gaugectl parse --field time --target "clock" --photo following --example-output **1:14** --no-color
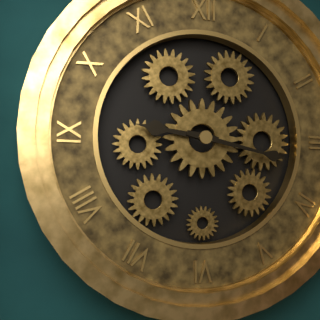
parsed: **9:17**
